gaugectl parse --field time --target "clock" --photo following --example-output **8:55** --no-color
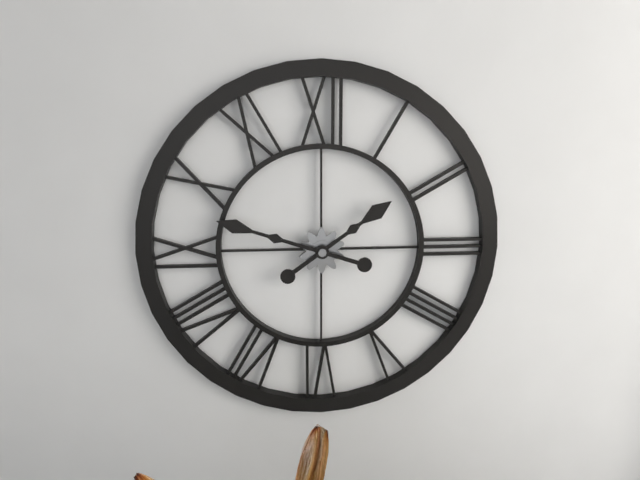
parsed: **1:48**
